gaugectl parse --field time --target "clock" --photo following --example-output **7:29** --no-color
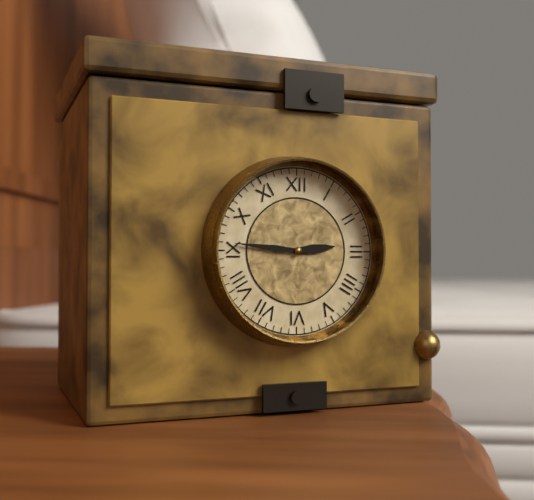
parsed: **2:46**
